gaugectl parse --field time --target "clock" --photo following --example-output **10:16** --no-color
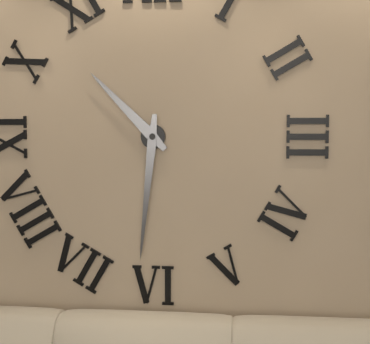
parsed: **10:31**
